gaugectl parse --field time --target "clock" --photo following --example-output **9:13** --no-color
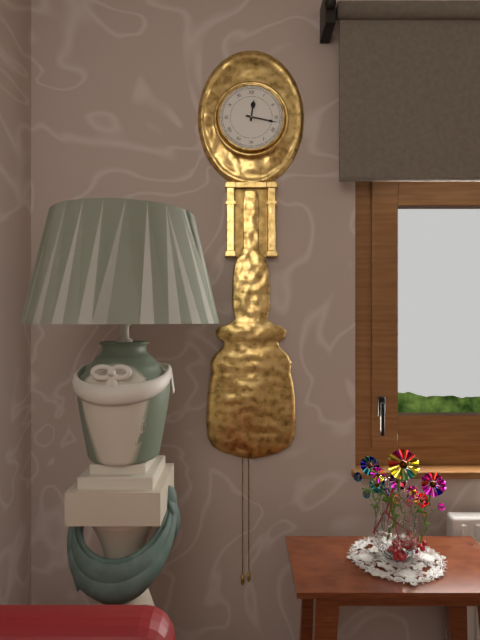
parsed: **12:17**
